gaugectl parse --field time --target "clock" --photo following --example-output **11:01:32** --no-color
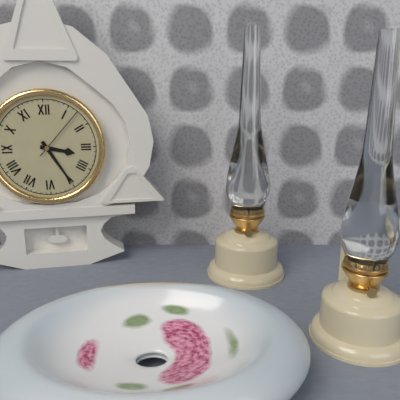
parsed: **3:25:07**
